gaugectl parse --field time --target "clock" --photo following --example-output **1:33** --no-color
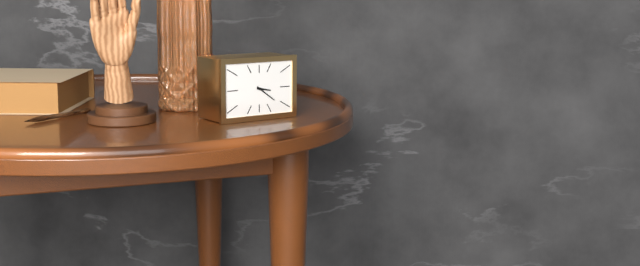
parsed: **3:21**
